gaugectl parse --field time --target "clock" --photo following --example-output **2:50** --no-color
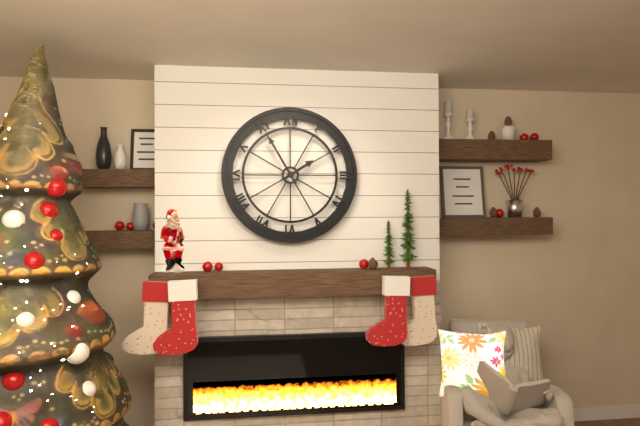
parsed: **1:55**
